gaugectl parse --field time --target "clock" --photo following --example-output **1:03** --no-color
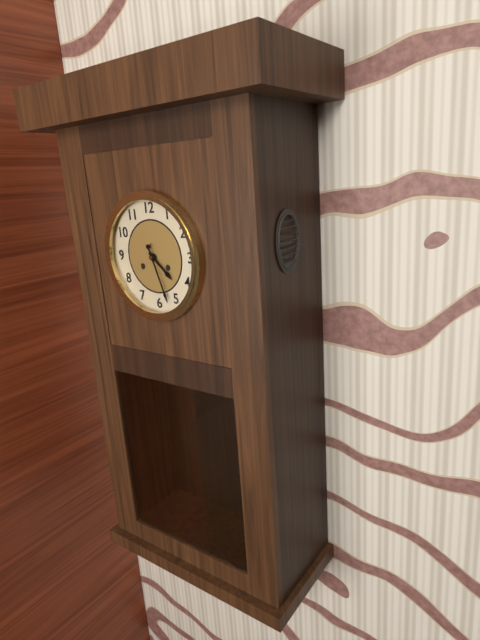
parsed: **4:27**
